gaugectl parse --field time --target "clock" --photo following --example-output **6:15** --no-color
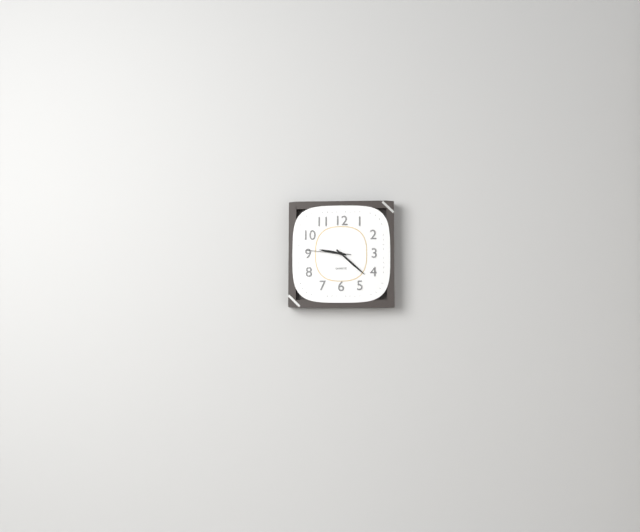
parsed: **9:22**
